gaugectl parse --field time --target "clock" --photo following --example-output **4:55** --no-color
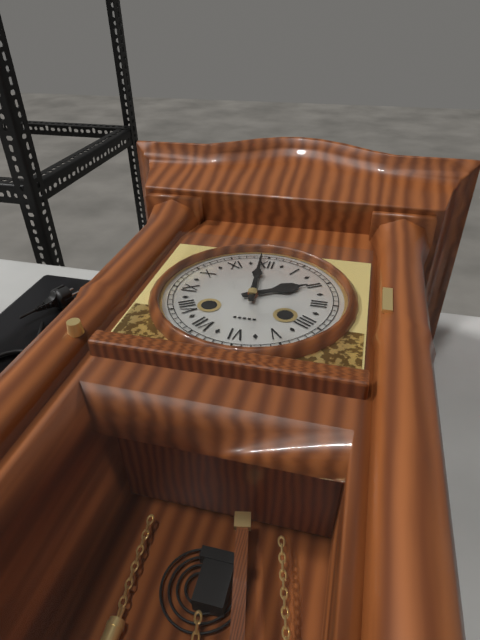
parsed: **1:59**
